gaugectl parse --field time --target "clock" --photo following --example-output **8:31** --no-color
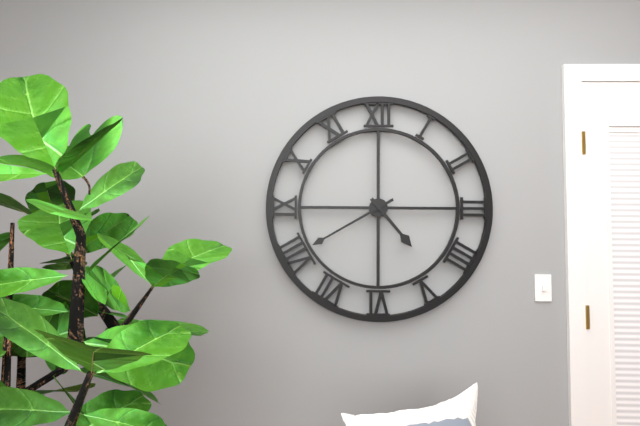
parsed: **4:40**
